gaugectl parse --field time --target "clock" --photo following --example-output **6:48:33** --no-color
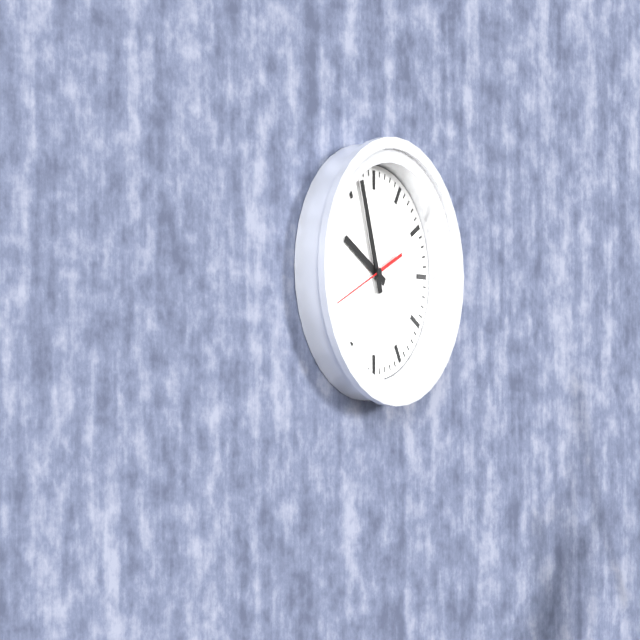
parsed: **9:57:41**
